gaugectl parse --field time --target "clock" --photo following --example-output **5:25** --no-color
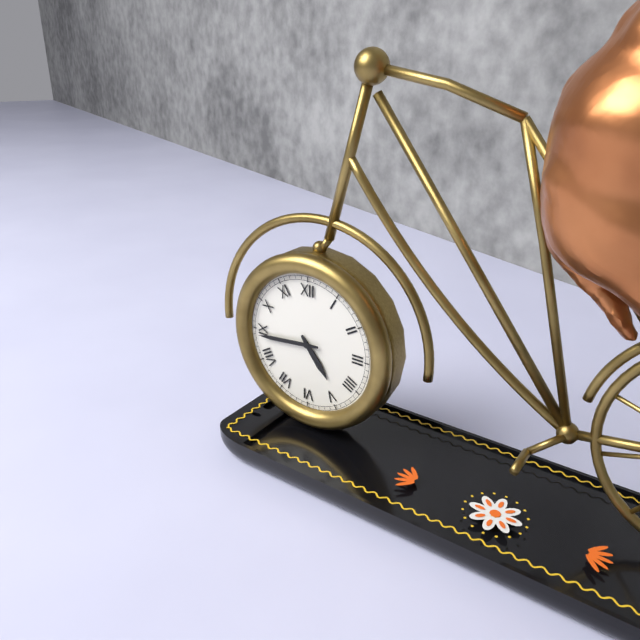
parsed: **4:44**
